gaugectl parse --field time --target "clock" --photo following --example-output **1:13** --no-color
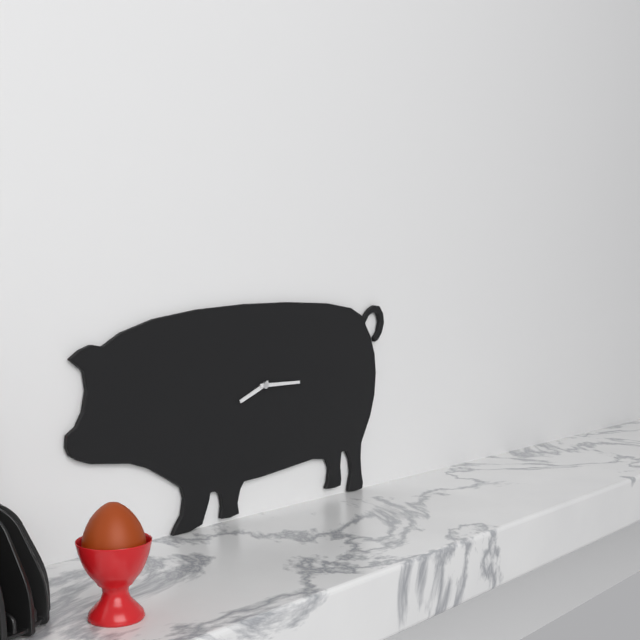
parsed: **8:15**
